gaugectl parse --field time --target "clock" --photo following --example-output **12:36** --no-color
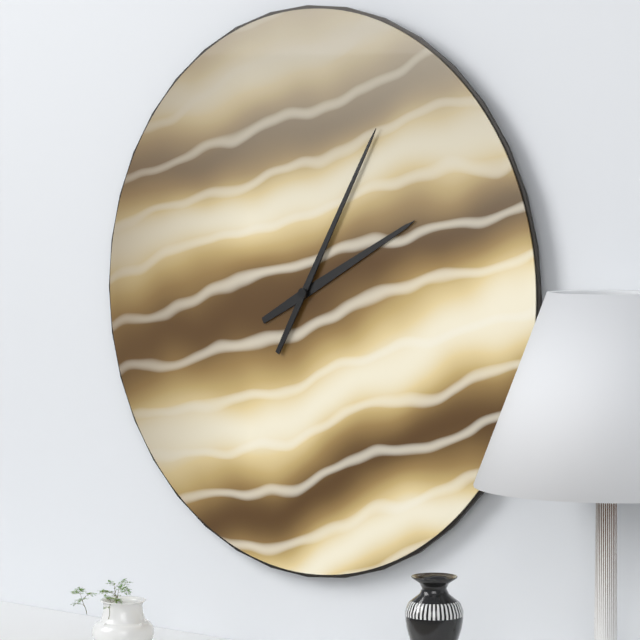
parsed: **2:05**
